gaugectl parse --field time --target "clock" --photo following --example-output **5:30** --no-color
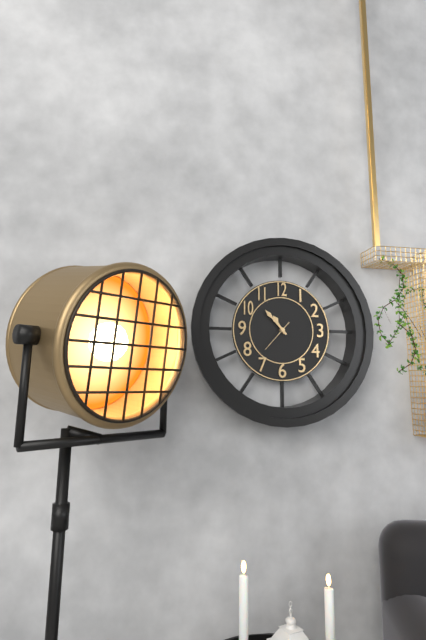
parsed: **10:53**
